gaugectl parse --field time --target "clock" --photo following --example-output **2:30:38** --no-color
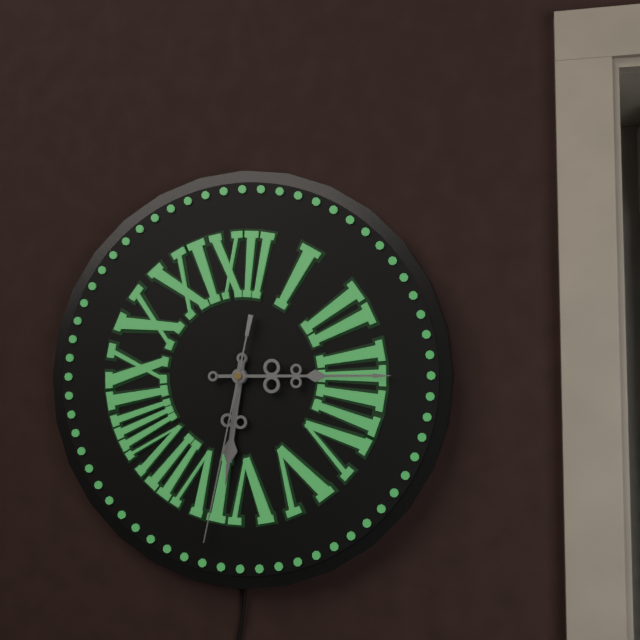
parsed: **6:15:32**
